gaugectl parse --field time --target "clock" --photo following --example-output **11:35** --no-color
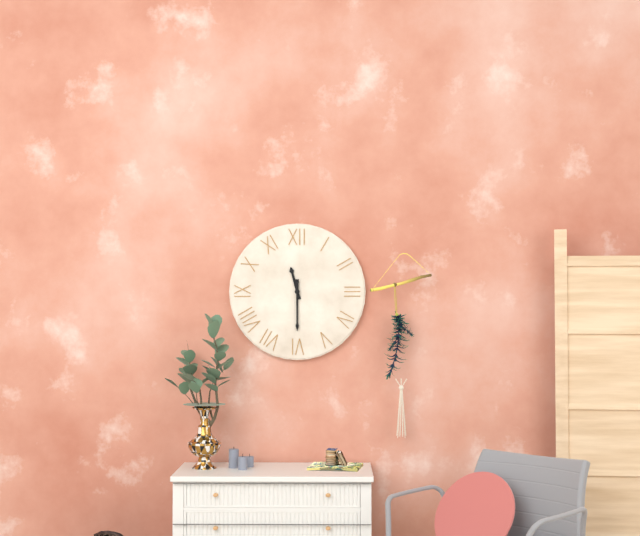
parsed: **11:30**
